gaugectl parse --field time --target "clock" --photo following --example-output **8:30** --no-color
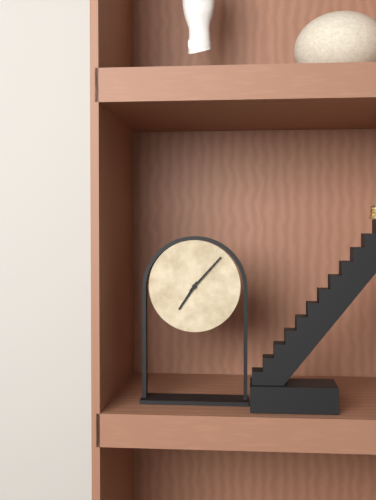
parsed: **7:07**
